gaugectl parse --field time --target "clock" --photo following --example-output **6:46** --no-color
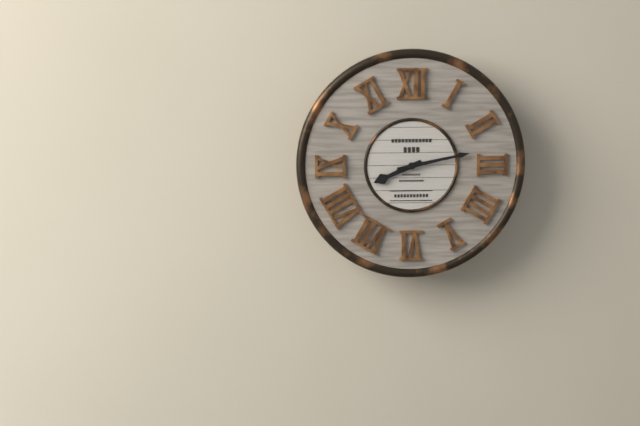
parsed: **8:13**
